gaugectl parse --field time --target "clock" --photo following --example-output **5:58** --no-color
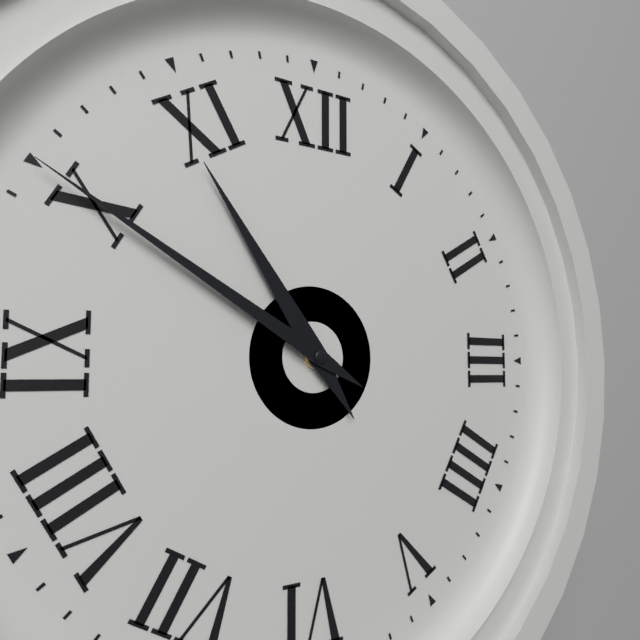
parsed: **10:50**
